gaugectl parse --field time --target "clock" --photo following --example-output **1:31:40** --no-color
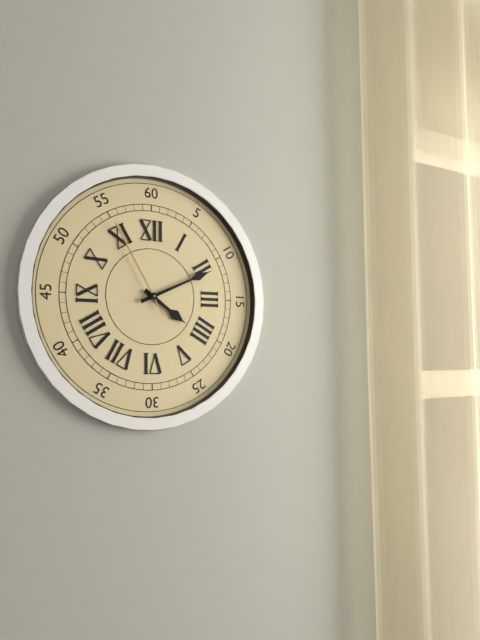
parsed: **4:11:55**
